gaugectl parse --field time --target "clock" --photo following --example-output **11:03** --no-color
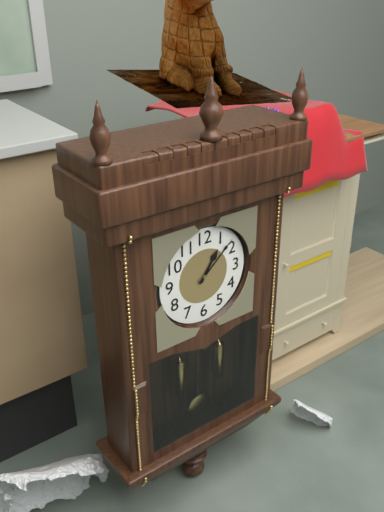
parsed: **1:08**
